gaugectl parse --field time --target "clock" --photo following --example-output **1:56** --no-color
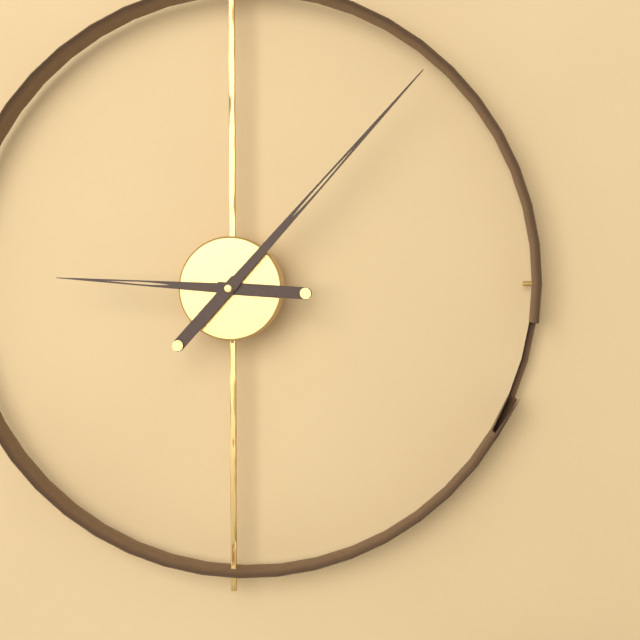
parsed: **9:07**
